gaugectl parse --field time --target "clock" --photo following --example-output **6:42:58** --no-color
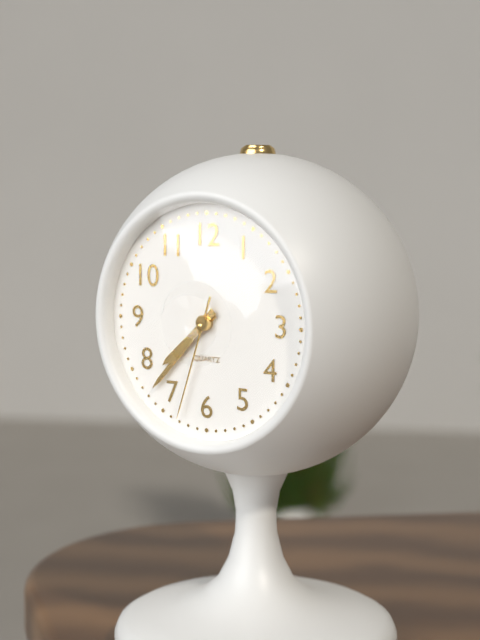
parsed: **7:37:33**
